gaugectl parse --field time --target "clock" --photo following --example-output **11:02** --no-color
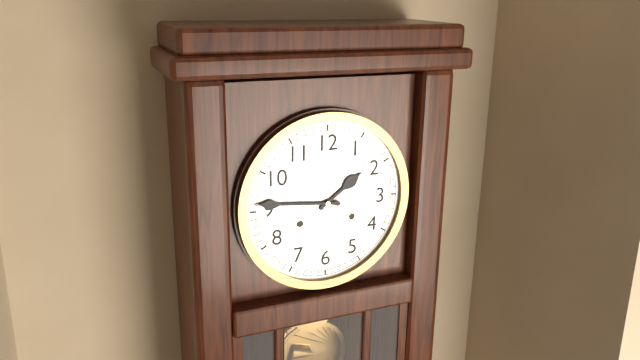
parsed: **1:46**
